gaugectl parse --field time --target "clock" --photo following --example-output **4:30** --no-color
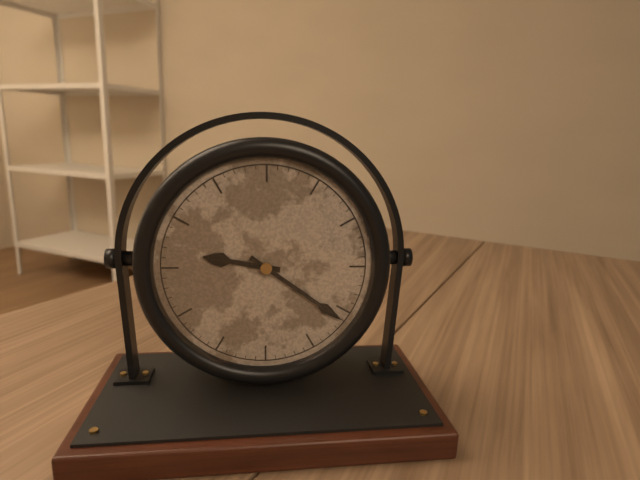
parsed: **9:21**
